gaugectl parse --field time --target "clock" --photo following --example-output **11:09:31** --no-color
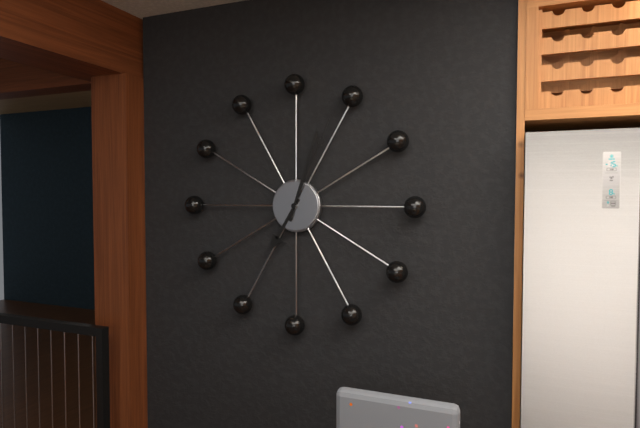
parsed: **7:03:04**
